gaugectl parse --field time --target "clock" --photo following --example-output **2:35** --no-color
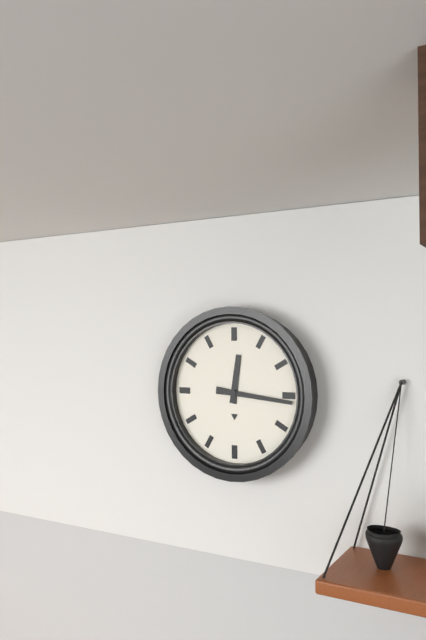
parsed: **12:16**
